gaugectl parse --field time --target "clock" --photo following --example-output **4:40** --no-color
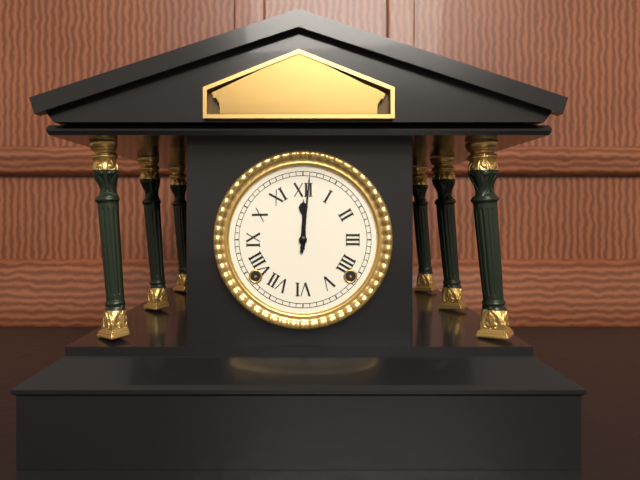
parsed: **12:01**
